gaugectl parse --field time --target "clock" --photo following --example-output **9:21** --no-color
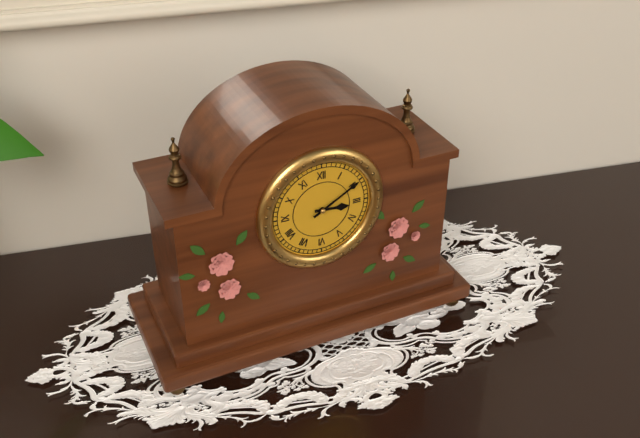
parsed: **3:10**
